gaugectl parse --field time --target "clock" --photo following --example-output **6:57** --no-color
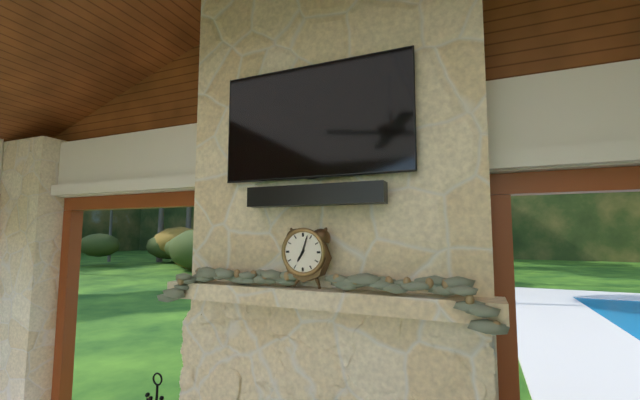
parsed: **7:03**
